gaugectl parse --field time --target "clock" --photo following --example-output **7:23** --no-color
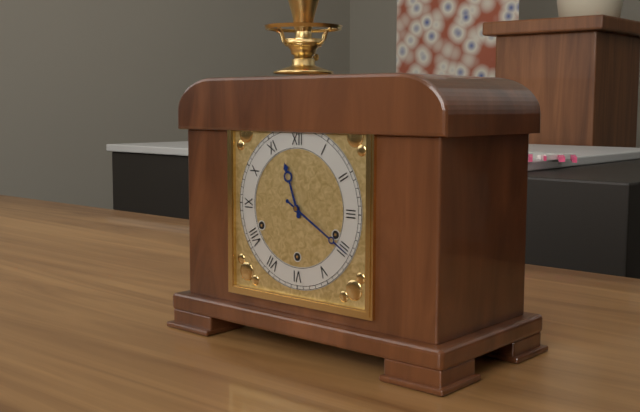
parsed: **11:20**
